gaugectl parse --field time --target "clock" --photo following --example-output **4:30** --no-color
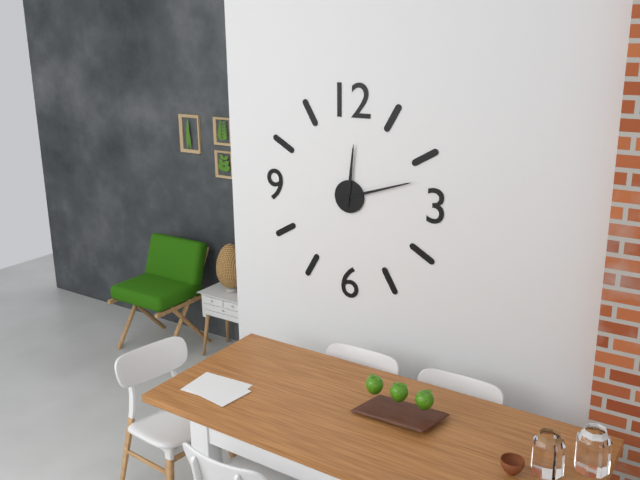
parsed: **12:12**
